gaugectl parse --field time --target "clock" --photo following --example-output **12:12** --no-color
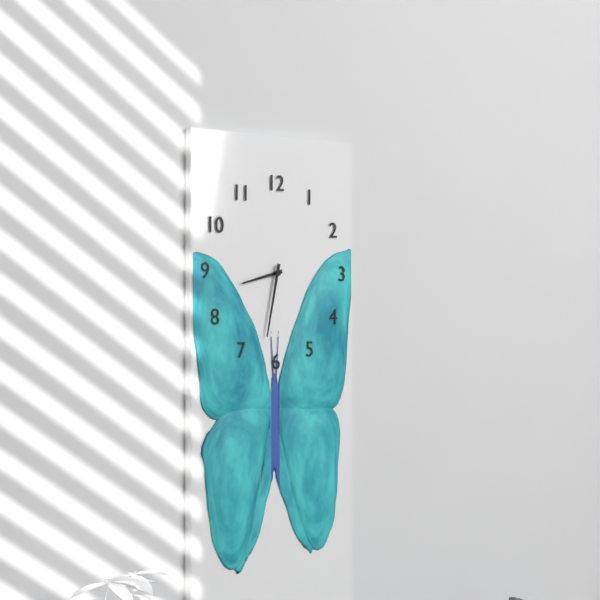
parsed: **8:32**
